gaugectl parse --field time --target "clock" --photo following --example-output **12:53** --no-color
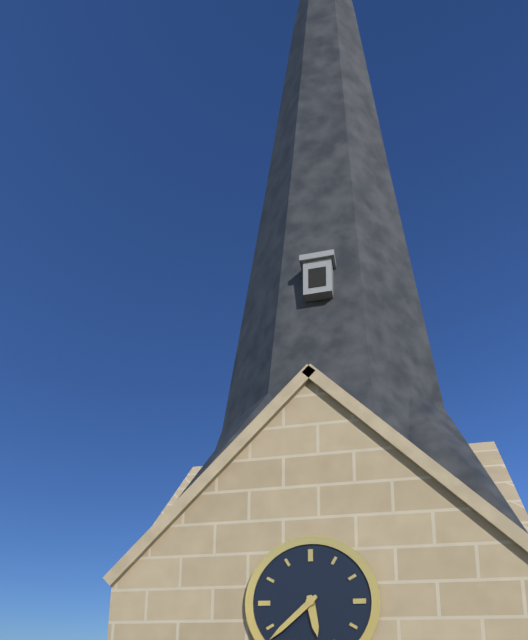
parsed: **5:38**
